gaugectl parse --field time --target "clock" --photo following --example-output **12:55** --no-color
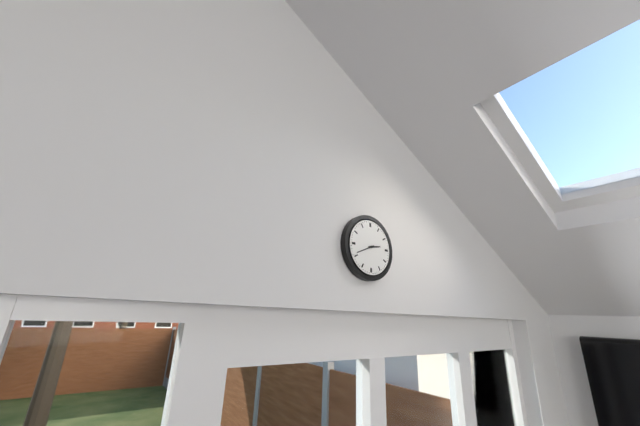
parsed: **2:41**
